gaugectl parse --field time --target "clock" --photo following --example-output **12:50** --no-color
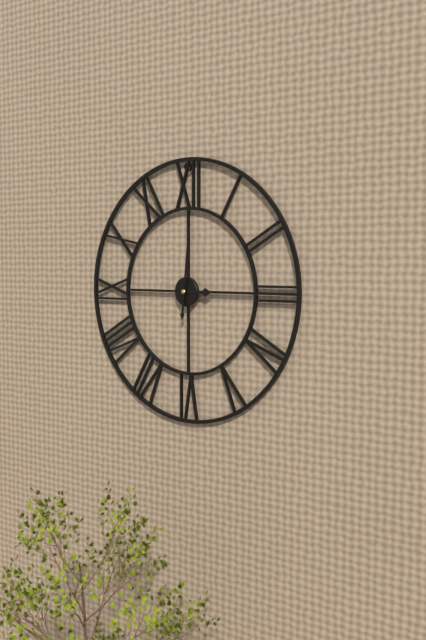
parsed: **3:01**
